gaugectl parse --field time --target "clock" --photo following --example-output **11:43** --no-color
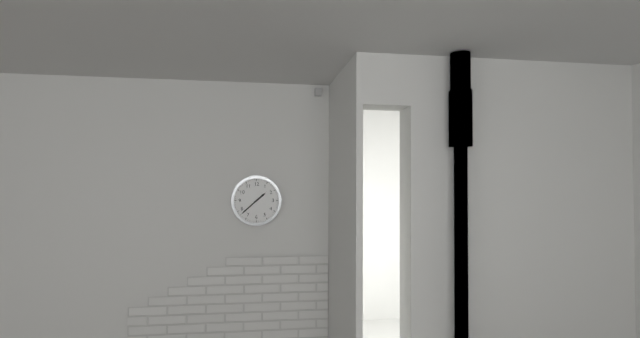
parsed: **1:38**
